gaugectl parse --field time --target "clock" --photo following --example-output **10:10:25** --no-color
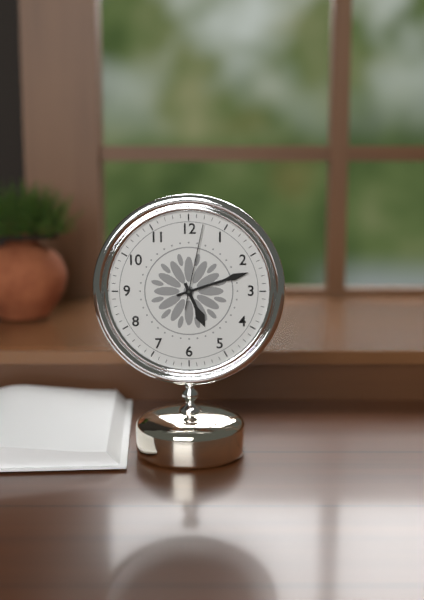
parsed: **5:12:02**
